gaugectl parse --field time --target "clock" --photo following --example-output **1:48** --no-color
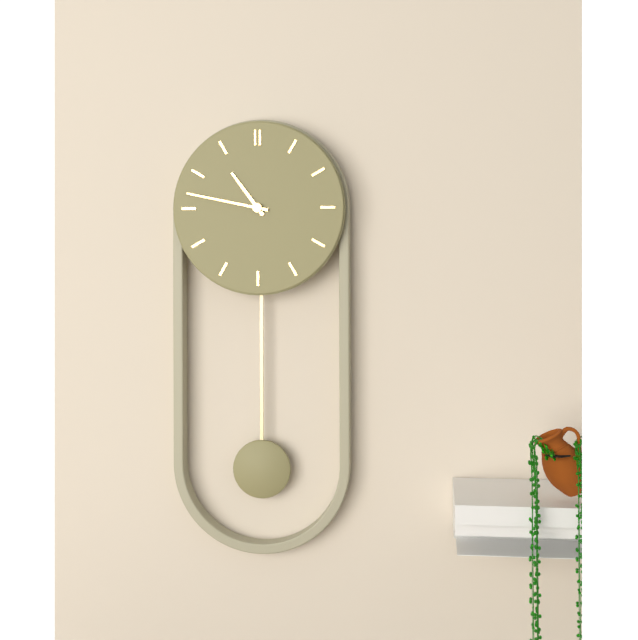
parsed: **10:47**
